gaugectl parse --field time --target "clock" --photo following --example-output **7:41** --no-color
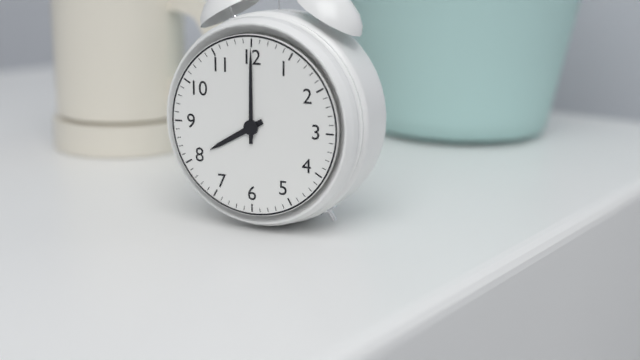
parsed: **8:00**
